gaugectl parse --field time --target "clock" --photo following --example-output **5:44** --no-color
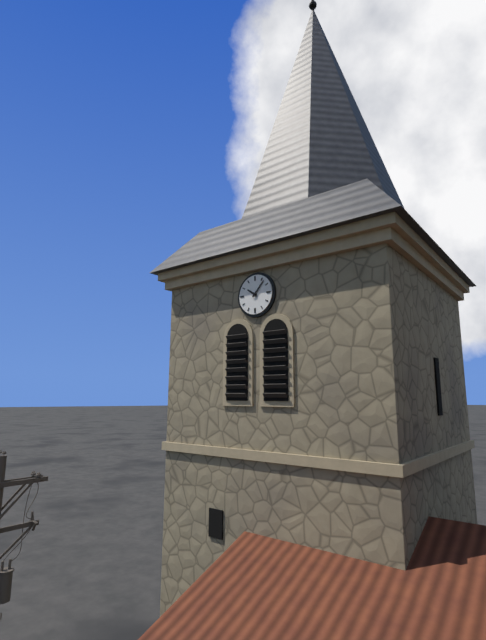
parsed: **10:07**
